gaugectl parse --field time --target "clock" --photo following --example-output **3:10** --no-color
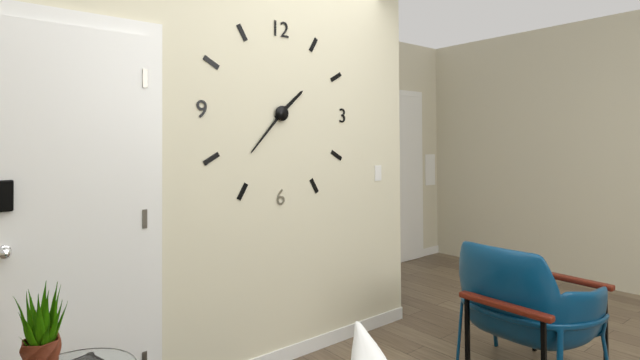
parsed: **1:37**
